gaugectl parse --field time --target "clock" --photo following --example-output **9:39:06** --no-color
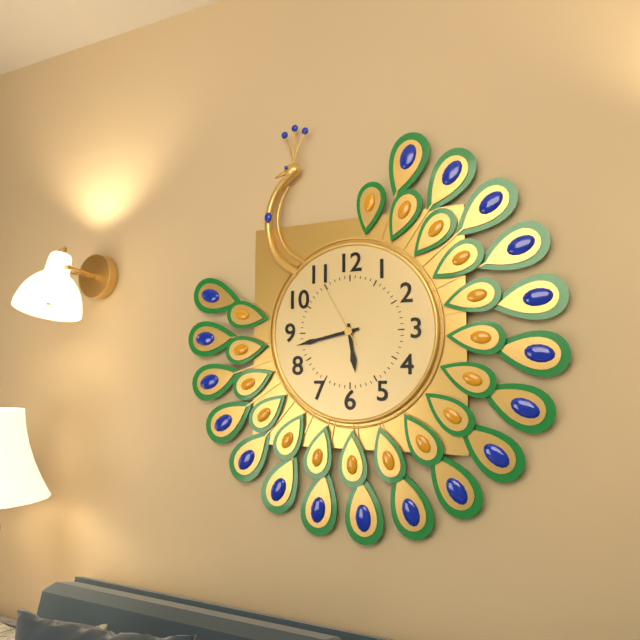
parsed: **5:43:55**
